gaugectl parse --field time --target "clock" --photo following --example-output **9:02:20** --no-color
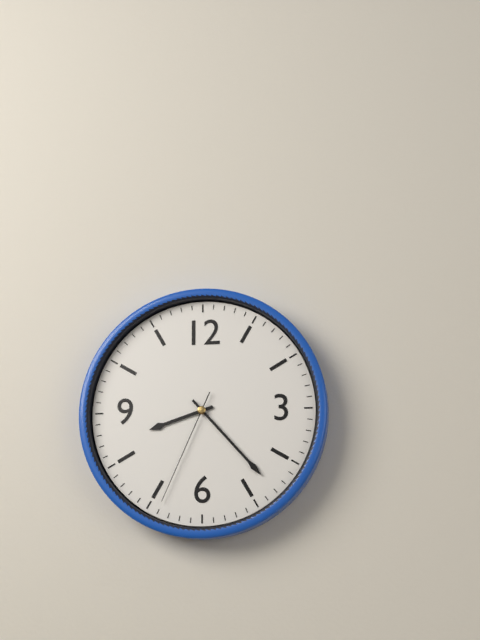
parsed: **8:23:34**
